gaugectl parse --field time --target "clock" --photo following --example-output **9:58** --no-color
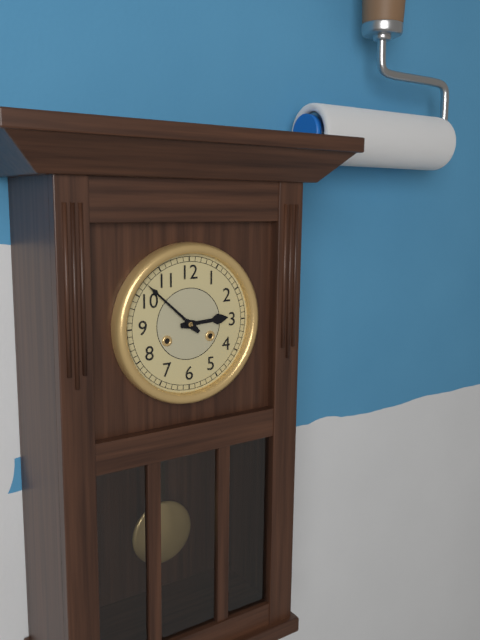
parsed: **2:52**
